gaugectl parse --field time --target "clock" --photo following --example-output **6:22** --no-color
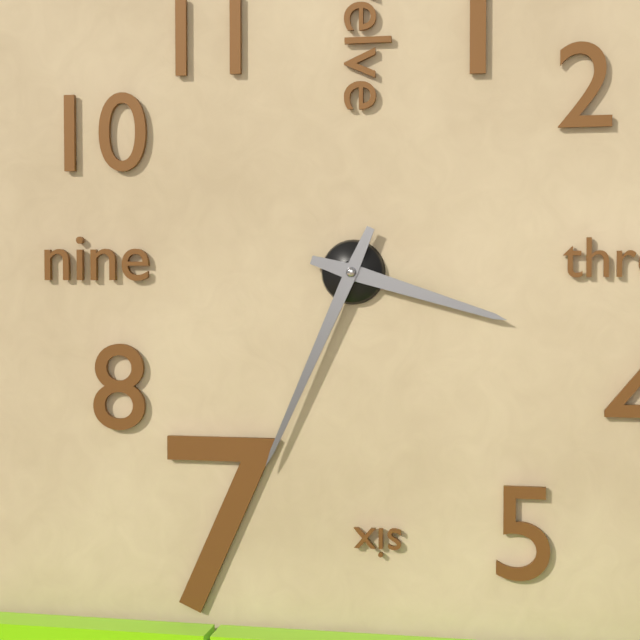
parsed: **3:34**
